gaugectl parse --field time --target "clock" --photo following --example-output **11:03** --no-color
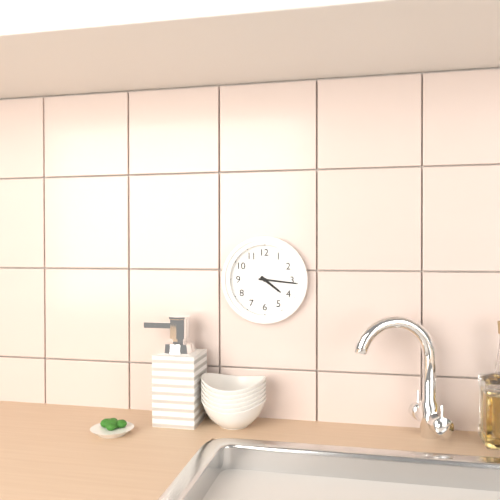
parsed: **4:16**
